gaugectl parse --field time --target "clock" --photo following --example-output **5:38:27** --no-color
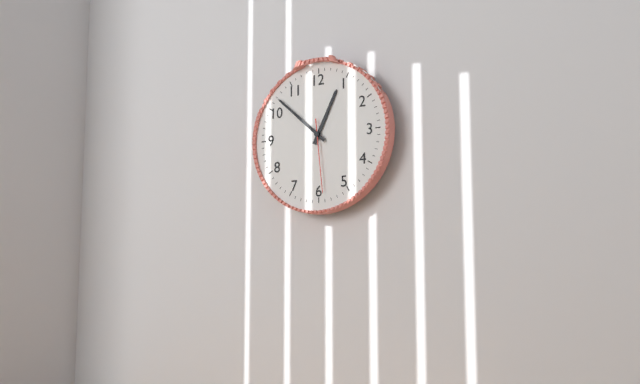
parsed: **12:52:29**
